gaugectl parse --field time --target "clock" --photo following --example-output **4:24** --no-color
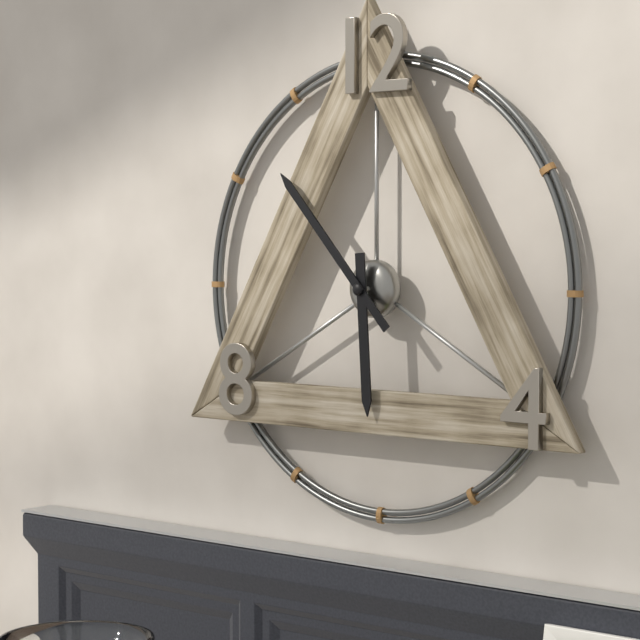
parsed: **5:53**
